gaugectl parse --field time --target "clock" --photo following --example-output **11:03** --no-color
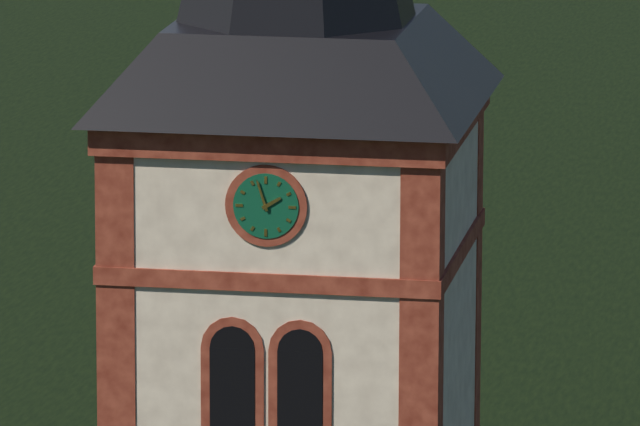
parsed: **1:57**
